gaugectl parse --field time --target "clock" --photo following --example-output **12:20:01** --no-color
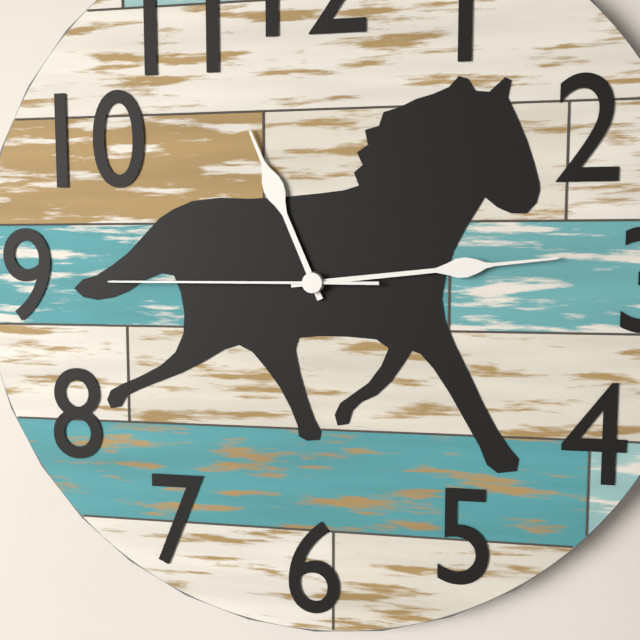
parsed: **11:14:45**
